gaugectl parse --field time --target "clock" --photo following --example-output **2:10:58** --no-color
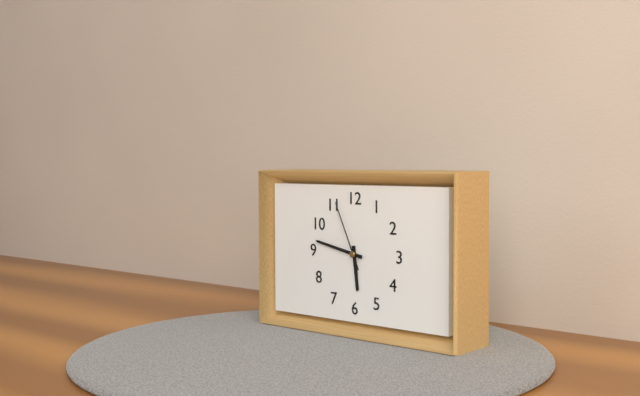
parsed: **5:47:56**
